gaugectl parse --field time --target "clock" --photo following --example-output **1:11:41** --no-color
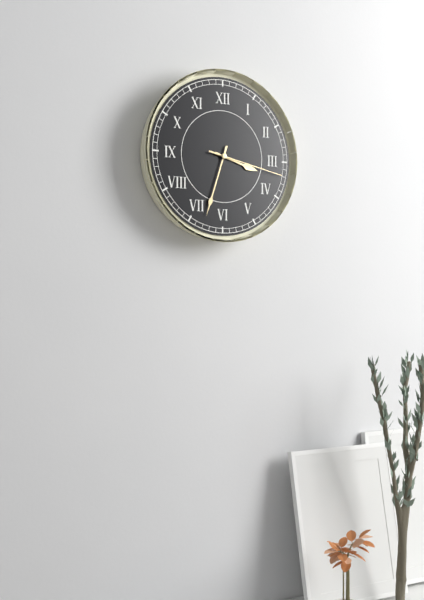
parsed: **3:33:17**
